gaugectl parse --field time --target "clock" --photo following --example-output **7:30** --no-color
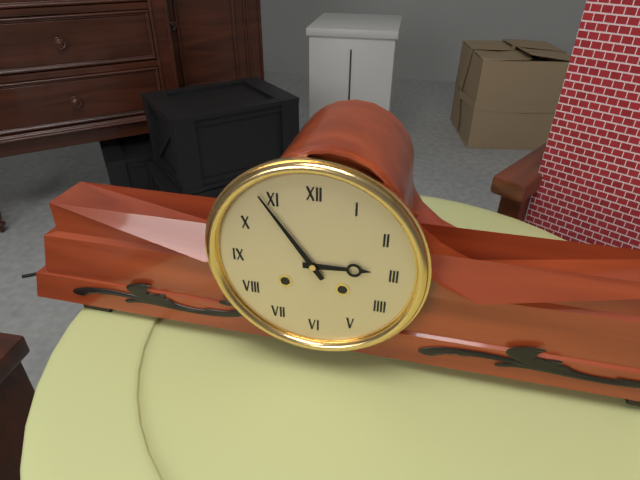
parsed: **2:54**
